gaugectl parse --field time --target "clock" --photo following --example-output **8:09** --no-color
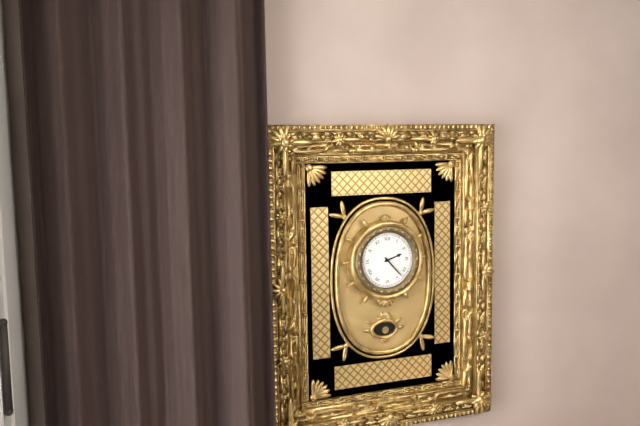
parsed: **2:23**
